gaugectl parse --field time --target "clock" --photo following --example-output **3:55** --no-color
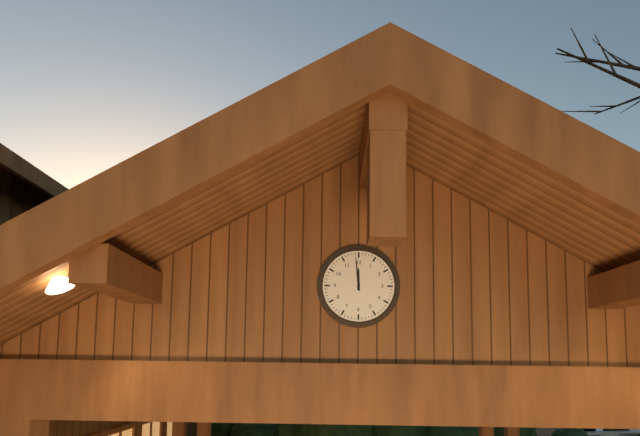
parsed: **11:59**
